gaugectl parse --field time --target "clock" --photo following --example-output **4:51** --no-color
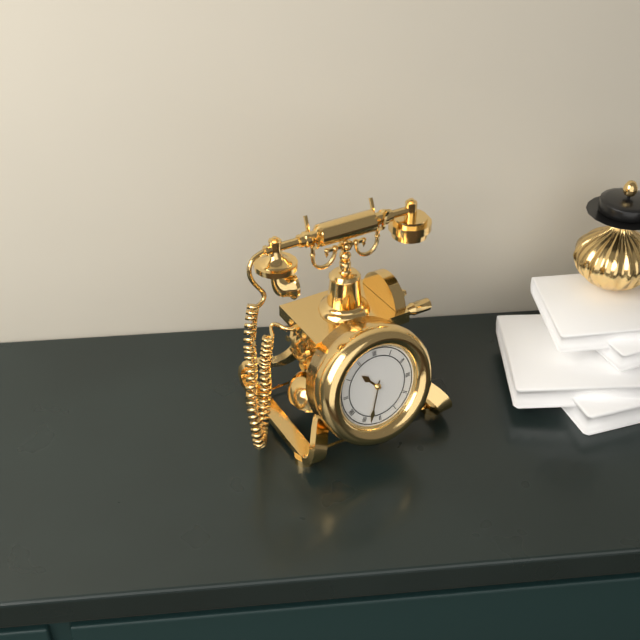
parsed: **10:33**
